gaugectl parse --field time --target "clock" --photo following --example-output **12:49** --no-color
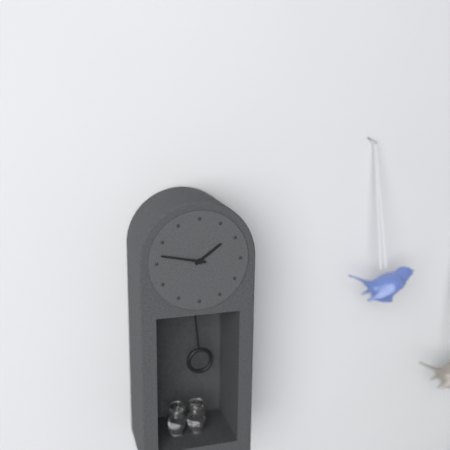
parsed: **1:47**
